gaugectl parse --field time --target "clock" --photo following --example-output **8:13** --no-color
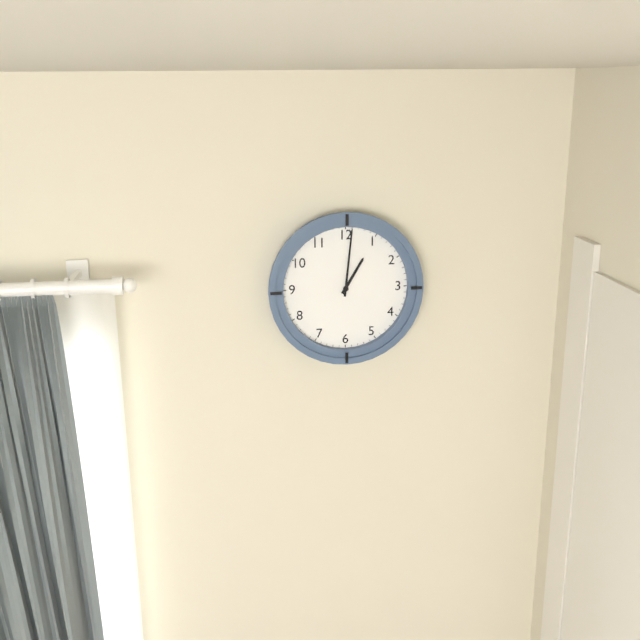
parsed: **1:01**
